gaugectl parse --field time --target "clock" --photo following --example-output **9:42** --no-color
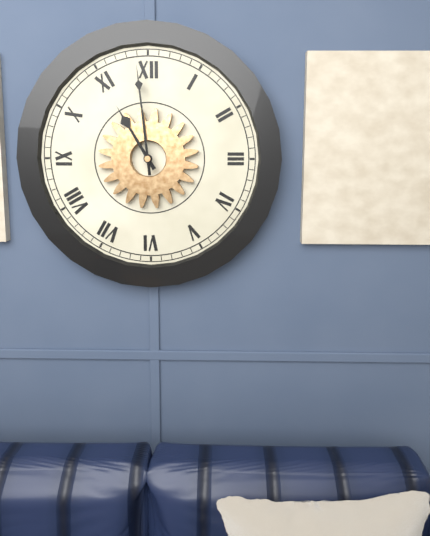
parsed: **10:59**
